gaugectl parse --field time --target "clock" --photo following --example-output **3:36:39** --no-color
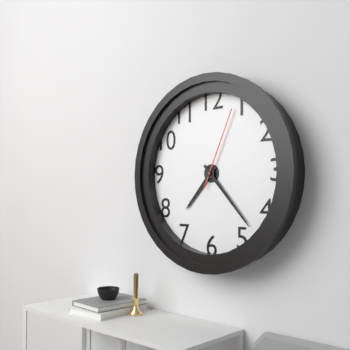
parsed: **7:23:04**
